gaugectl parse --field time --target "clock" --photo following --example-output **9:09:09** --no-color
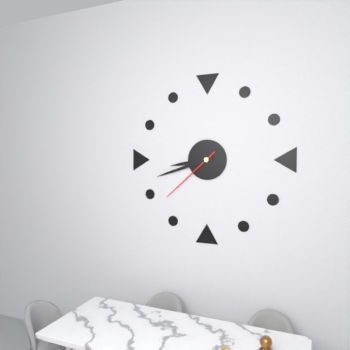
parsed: **8:42:38**
